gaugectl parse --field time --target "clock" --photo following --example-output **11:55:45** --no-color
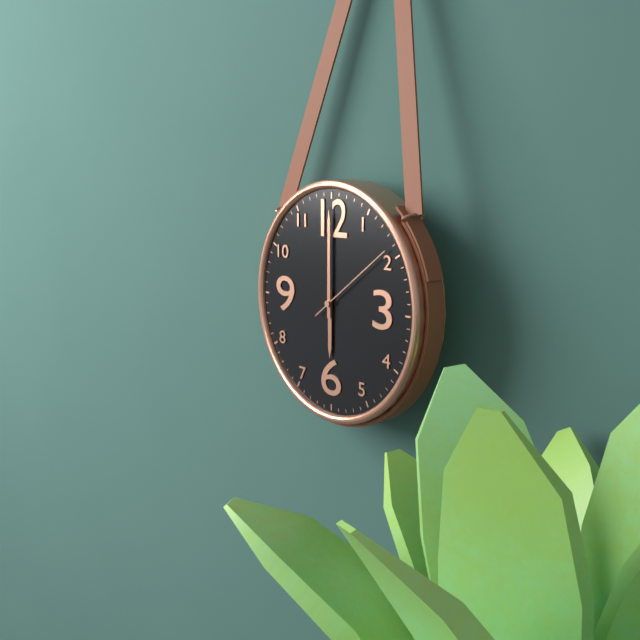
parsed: **6:00:09**
